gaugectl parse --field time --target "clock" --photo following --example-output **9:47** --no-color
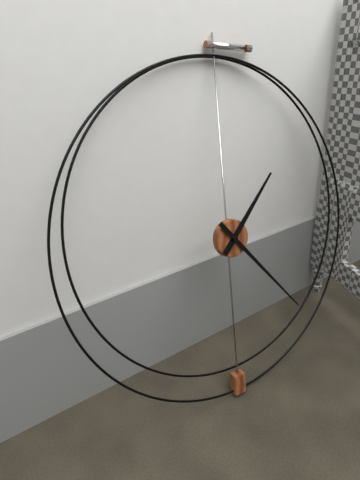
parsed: **1:23**
